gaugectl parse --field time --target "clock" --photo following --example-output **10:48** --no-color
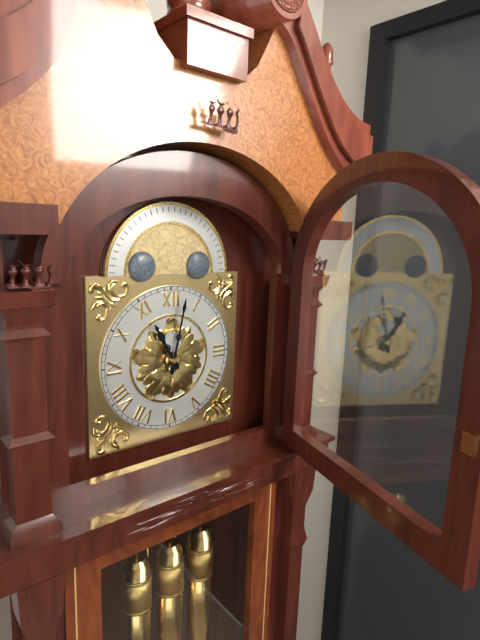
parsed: **11:02**
